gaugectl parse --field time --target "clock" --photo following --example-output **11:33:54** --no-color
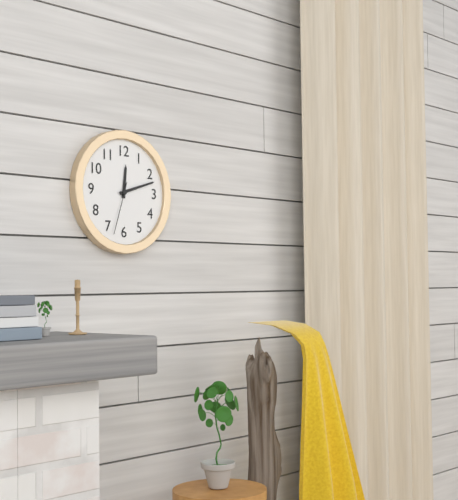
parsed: **12:12:33**
